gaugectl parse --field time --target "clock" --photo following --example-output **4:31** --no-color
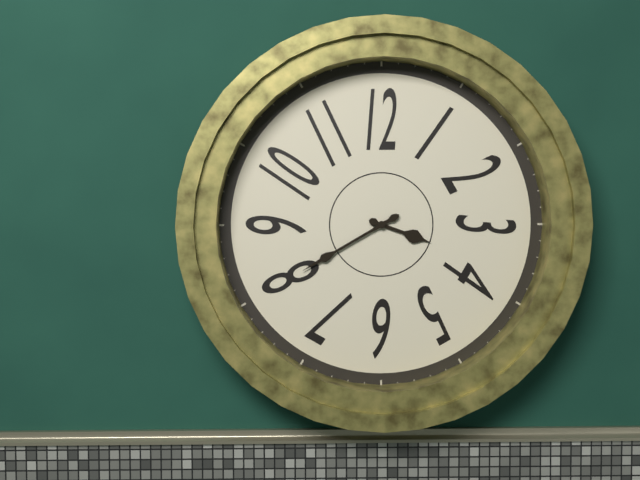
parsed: **3:40**
